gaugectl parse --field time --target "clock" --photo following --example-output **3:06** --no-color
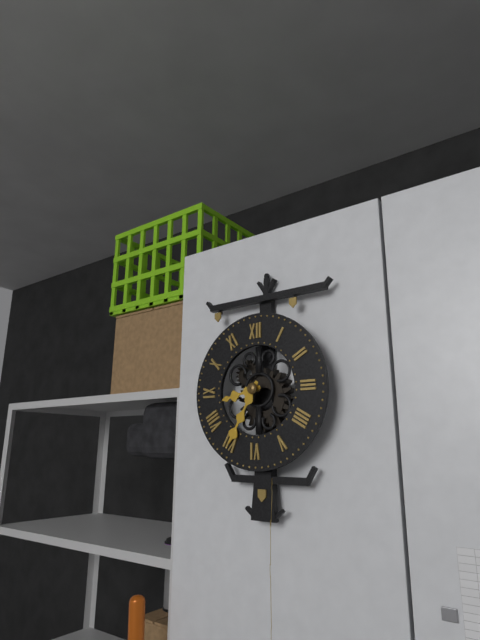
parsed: **8:35**
